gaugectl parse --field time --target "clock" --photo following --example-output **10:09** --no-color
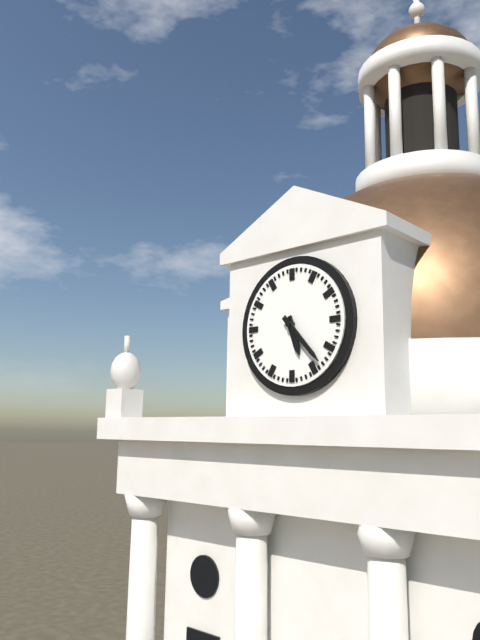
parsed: **5:23**
